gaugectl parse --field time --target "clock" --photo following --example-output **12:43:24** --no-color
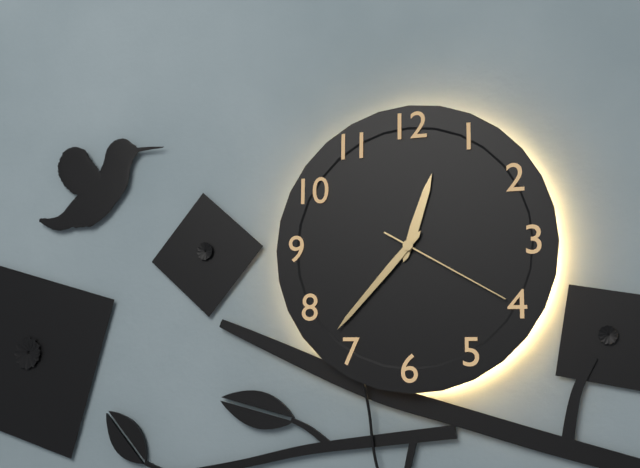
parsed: **12:37:20**
